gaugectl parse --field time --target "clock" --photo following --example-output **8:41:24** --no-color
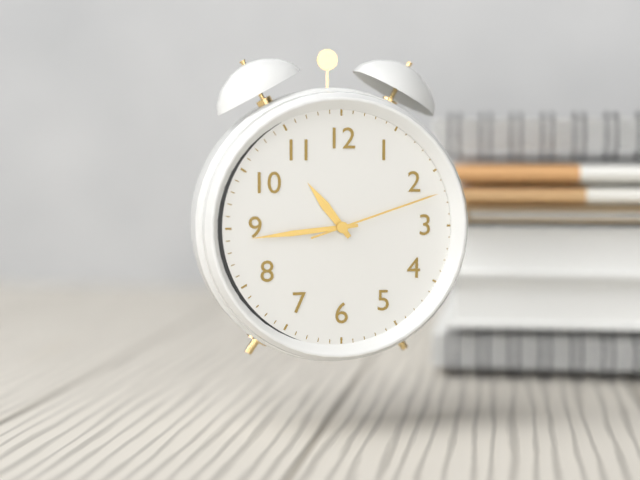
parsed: **10:44:12**
